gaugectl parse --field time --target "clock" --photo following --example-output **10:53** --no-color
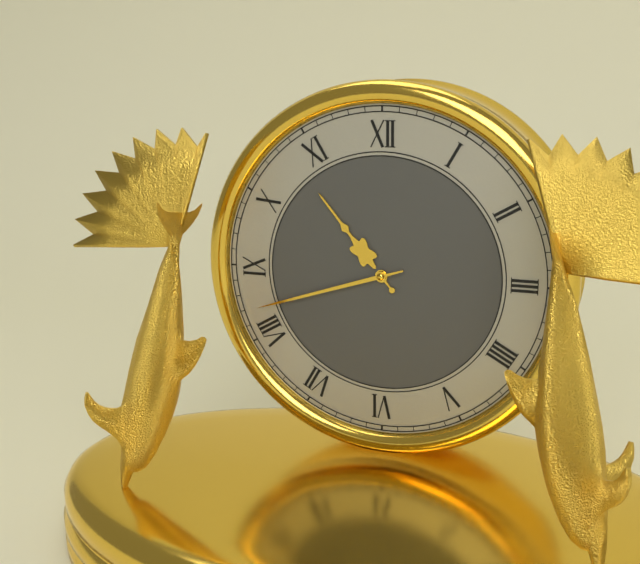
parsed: **10:42**
